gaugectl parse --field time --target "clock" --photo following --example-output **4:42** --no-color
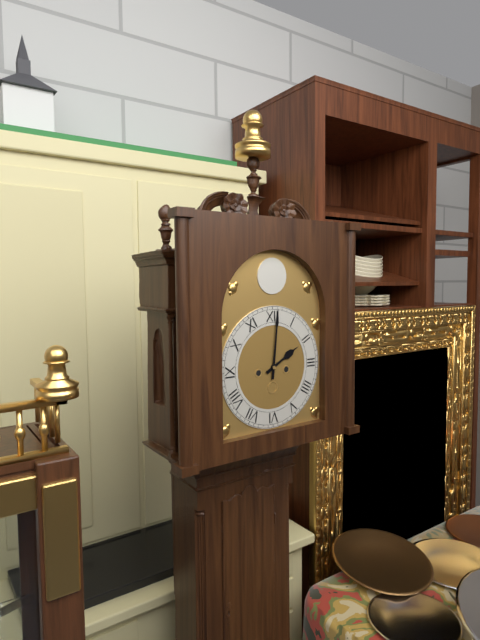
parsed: **2:01**
